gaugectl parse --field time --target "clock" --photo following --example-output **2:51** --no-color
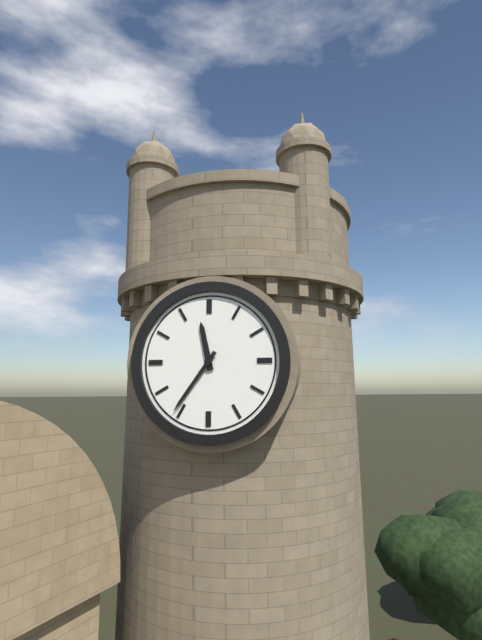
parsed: **11:36**
